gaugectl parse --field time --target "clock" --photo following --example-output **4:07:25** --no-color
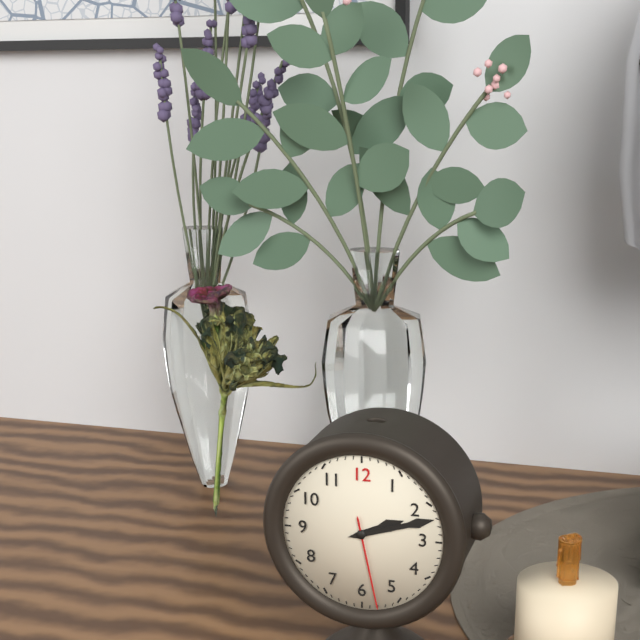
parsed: **2:12:28**
